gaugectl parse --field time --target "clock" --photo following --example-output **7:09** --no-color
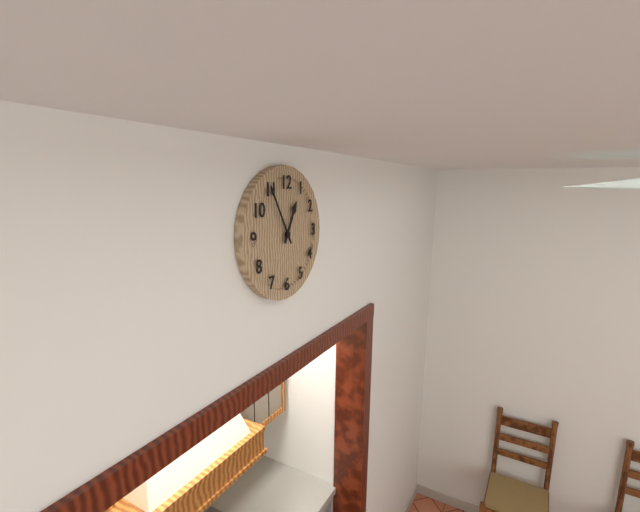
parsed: **12:55**
